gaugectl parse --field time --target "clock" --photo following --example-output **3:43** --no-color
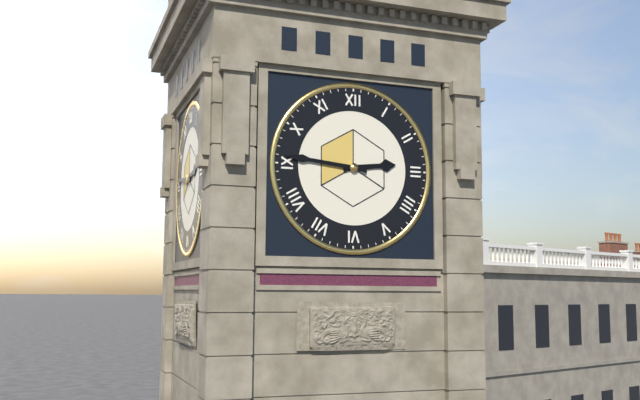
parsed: **2:46**
